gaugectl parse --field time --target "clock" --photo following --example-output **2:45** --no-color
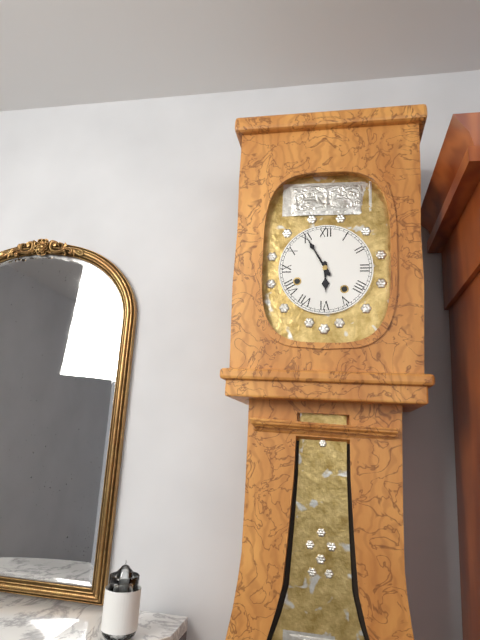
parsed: **5:55**
